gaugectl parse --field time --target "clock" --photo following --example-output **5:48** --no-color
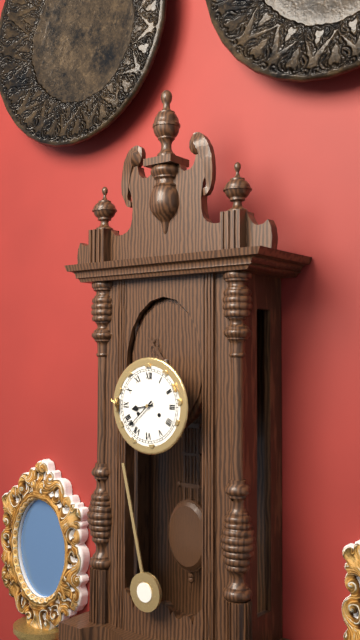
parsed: **8:38**
